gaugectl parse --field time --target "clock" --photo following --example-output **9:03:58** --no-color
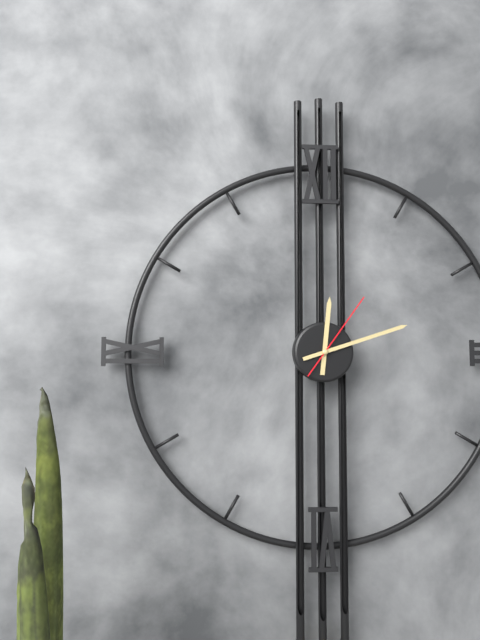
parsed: **12:12:06**
